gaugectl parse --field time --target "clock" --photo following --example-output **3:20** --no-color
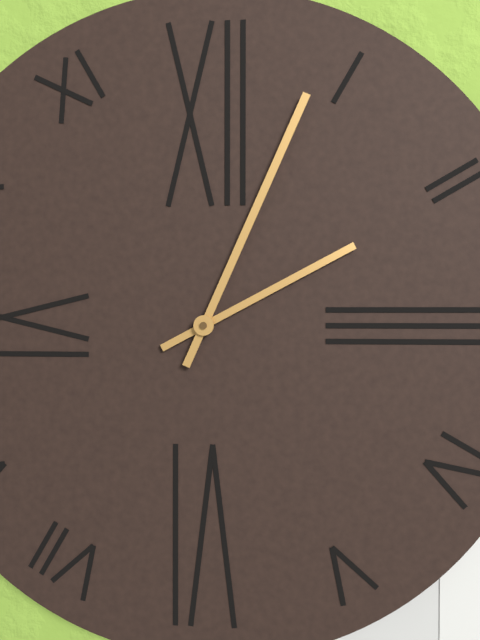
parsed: **2:04**
